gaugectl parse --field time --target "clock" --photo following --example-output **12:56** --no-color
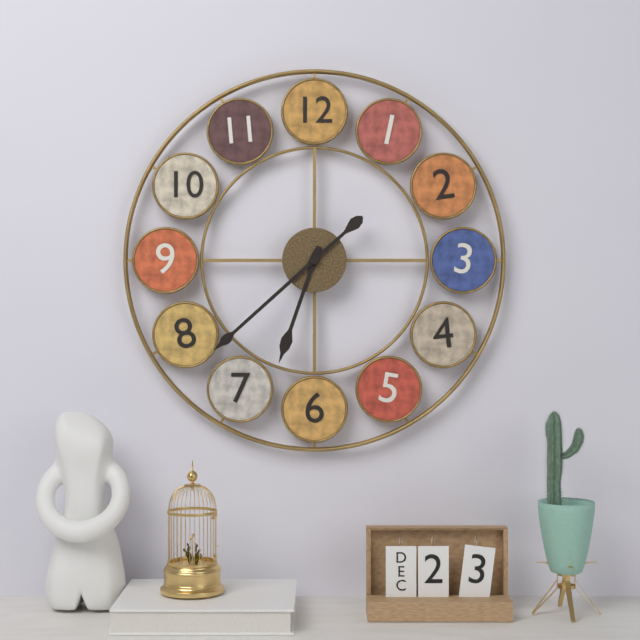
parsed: **6:38**
